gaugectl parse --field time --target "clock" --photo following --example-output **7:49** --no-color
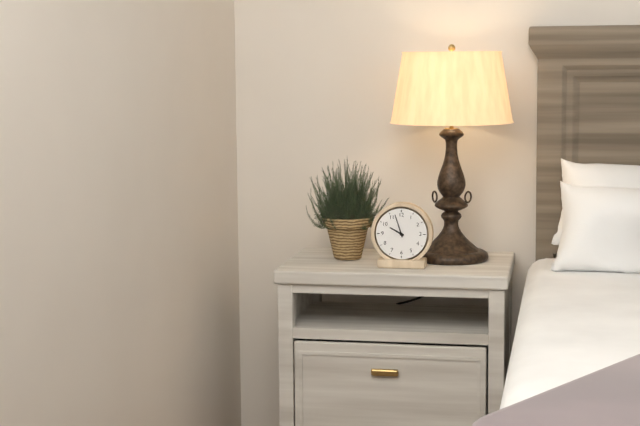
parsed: **9:57**
